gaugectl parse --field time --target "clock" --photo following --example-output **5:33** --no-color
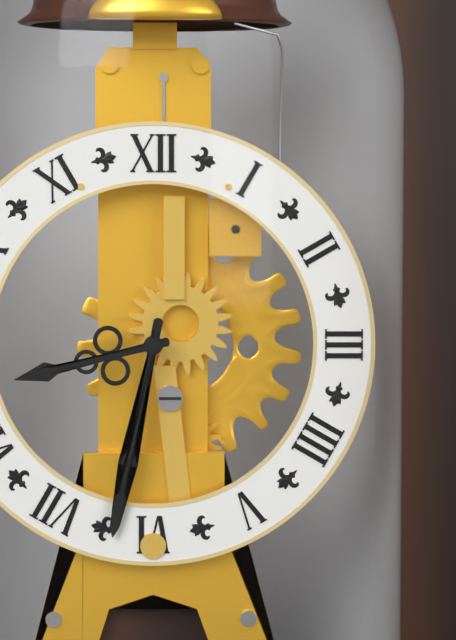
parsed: **8:32**
